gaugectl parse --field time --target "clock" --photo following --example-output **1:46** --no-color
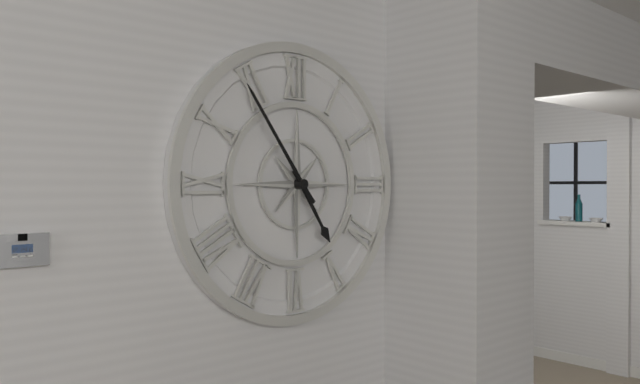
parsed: **4:54**
